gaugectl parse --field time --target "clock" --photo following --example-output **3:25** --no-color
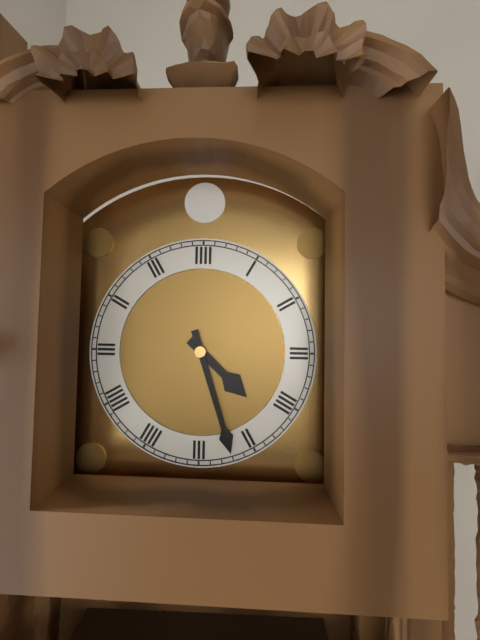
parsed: **4:27**
